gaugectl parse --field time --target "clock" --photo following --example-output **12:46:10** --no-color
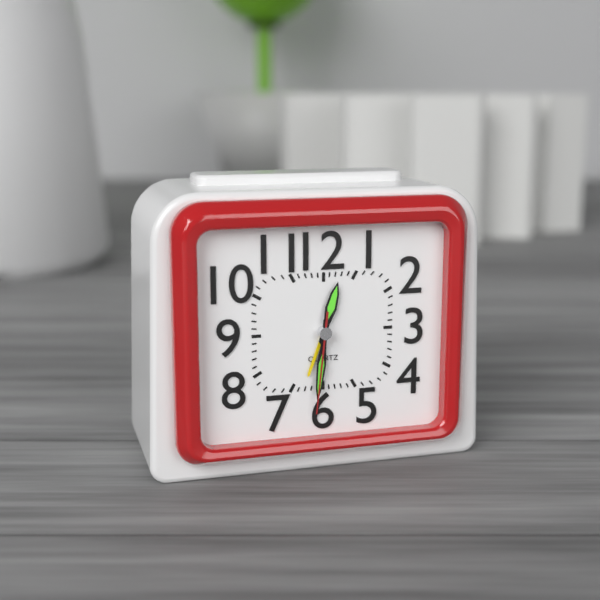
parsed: **12:31:31**
